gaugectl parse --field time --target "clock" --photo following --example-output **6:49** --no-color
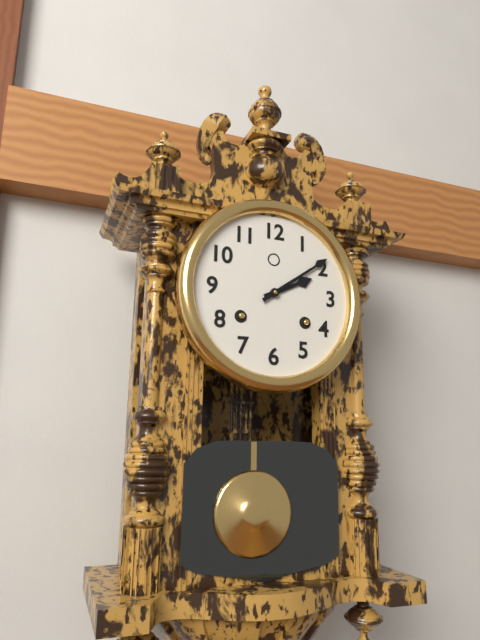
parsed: **2:09**
